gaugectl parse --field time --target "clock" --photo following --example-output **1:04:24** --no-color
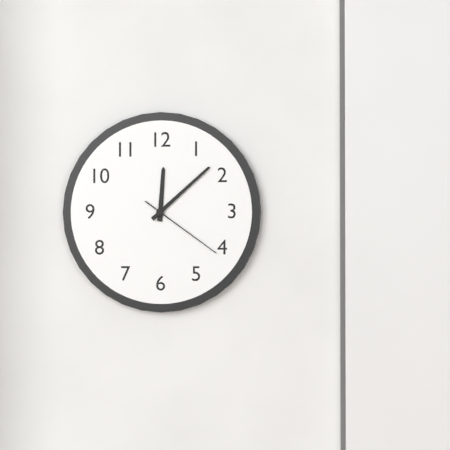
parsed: **12:08:21**
